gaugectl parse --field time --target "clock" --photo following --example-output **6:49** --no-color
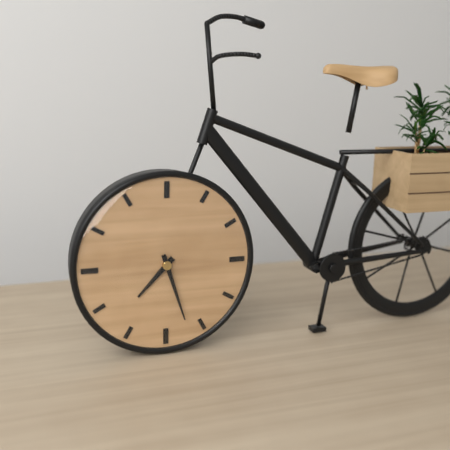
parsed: **7:27**
